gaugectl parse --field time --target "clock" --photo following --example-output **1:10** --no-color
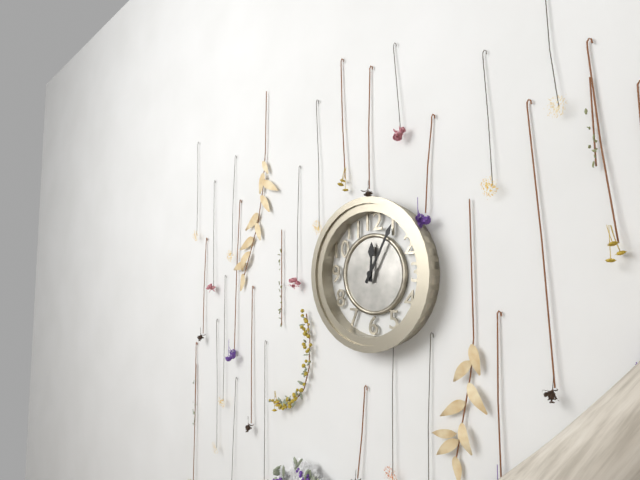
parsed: **12:05**
